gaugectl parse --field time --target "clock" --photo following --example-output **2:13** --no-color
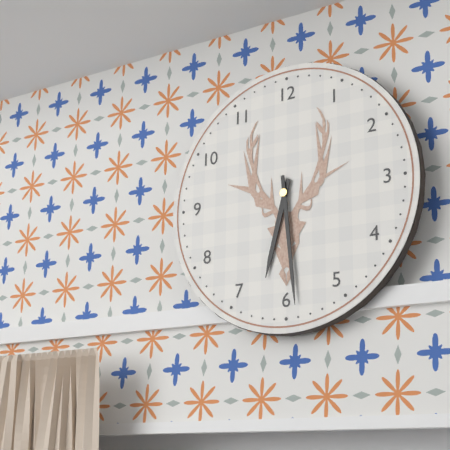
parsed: **6:29**
